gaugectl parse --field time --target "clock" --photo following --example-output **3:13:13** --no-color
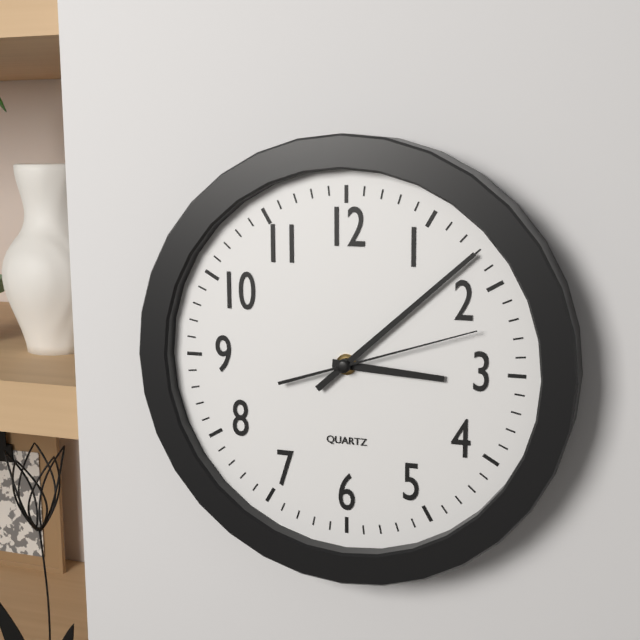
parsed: **3:08:12**
